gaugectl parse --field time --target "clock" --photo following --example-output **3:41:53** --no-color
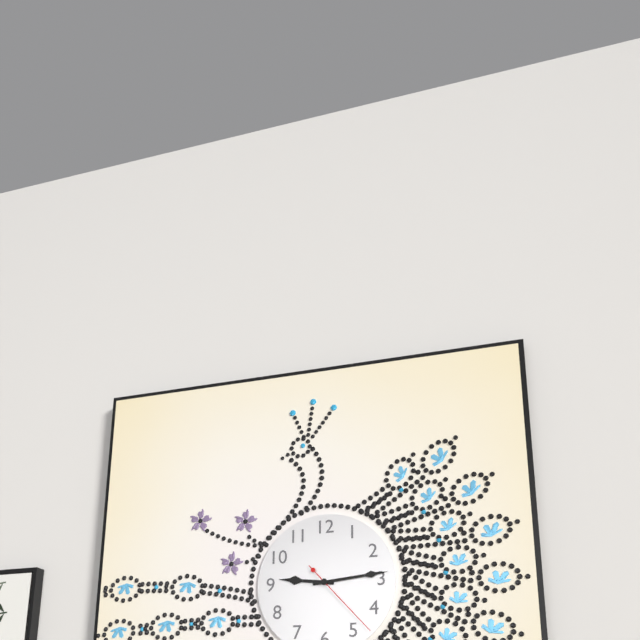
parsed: **9:14:23**
